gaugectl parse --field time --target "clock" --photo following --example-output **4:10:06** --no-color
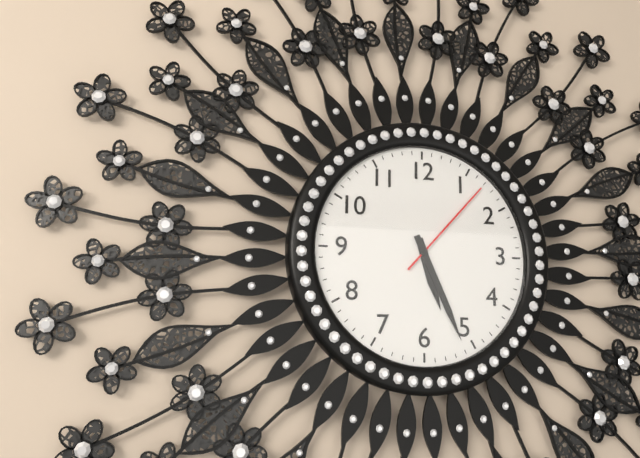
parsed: **5:26:07**
